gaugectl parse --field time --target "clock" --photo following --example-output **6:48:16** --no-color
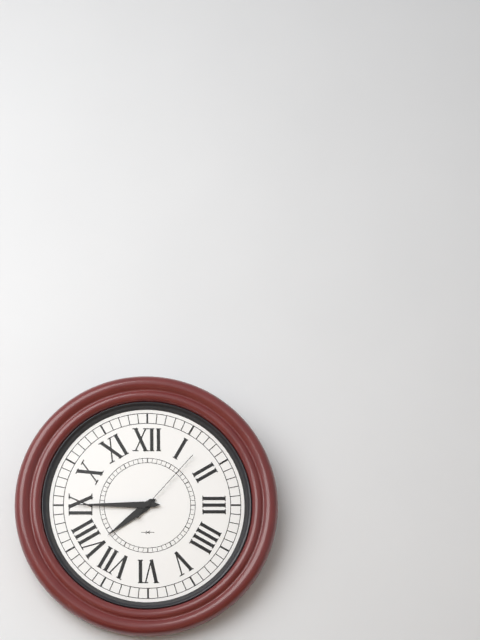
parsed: **7:45:07**
